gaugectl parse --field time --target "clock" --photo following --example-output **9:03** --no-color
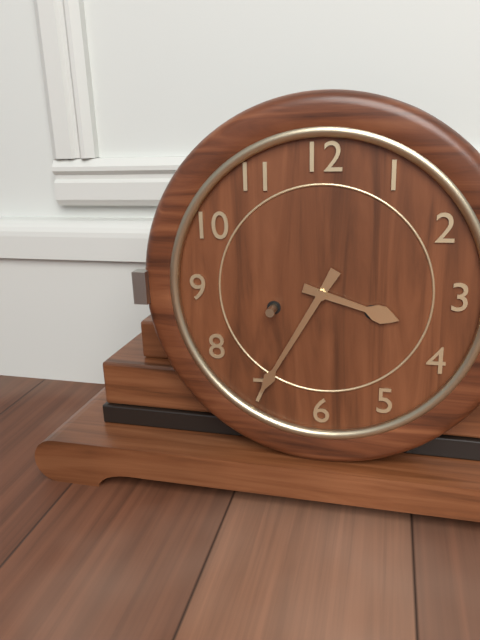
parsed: **3:35**
